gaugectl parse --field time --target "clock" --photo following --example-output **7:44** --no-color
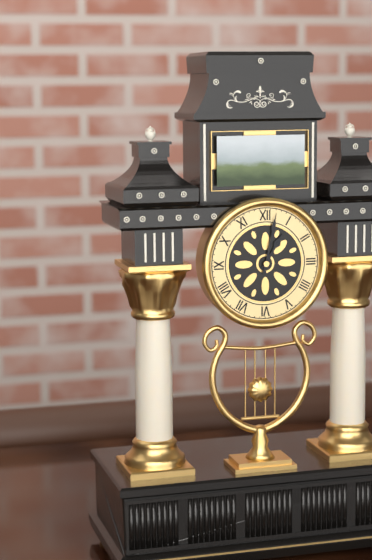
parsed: **1:02**
